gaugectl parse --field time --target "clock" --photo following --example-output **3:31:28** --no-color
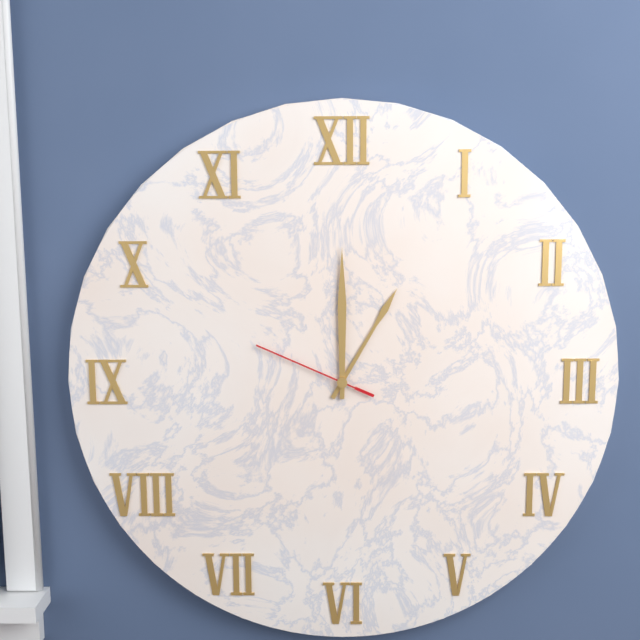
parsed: **1:00:49**
